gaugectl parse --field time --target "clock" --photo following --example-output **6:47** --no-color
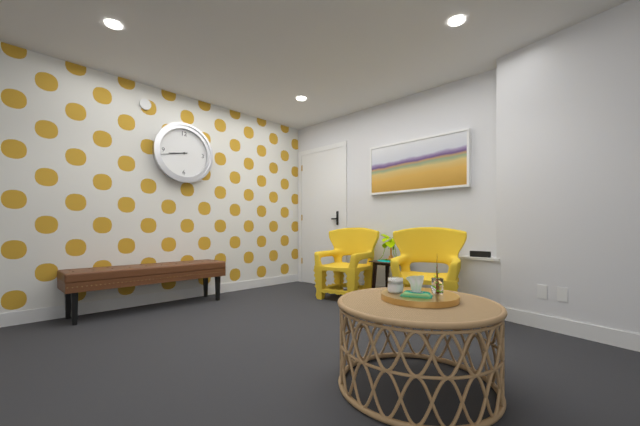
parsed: **8:43**
